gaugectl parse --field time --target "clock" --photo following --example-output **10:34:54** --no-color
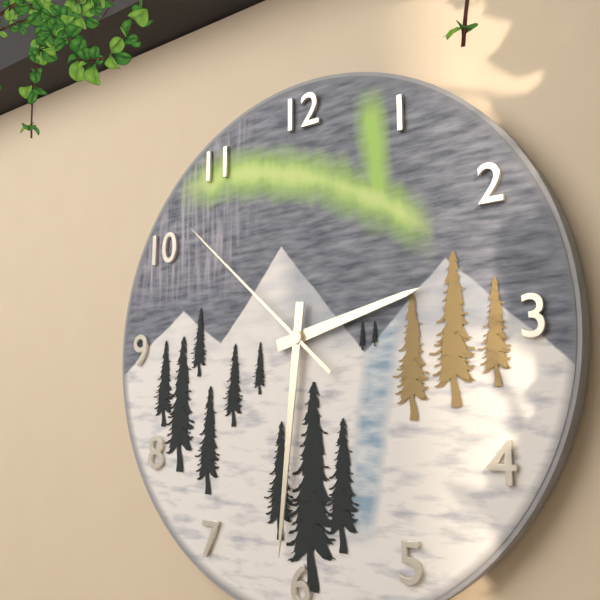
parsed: **2:31:52**
